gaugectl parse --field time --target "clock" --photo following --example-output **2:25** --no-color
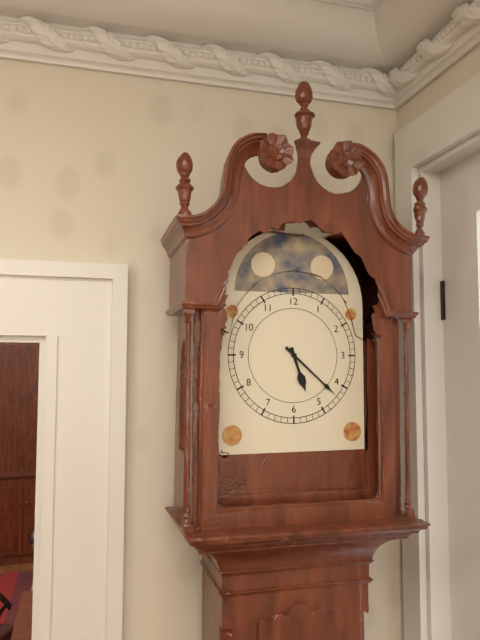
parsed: **5:22**
